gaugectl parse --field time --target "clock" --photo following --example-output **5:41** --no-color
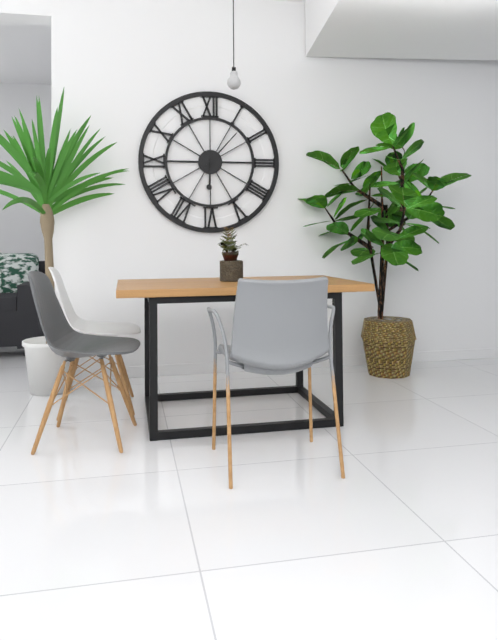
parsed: **6:07**
